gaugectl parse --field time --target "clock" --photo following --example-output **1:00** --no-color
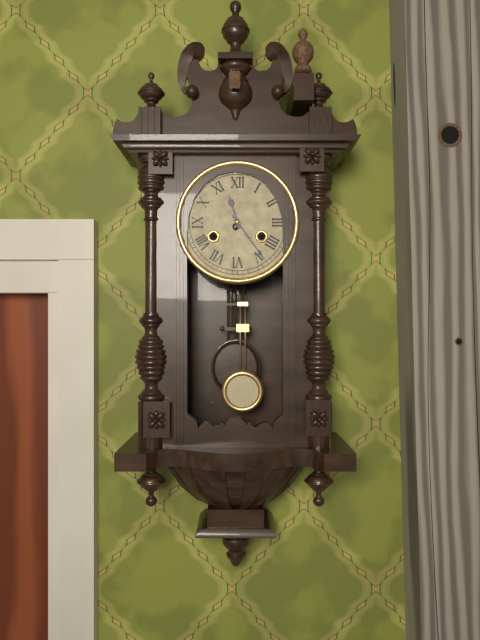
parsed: **11:24**
